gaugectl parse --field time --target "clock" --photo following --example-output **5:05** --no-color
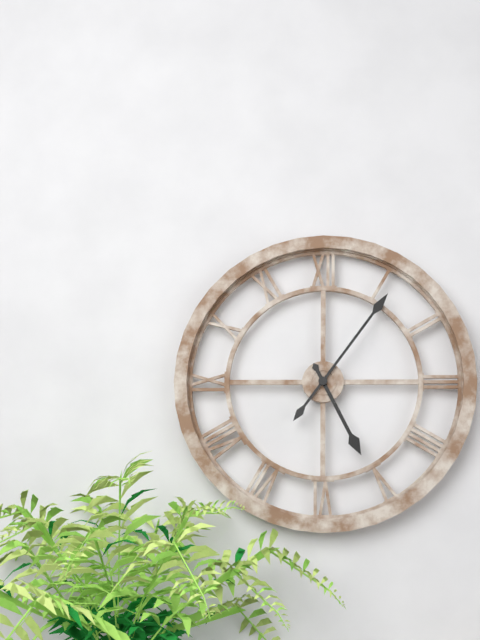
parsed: **5:06**
